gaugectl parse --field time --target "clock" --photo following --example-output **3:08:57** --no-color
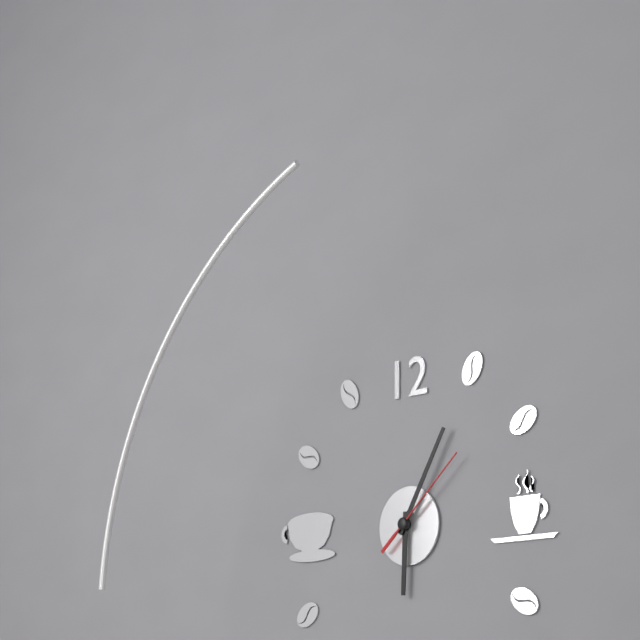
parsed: **6:05:08**
